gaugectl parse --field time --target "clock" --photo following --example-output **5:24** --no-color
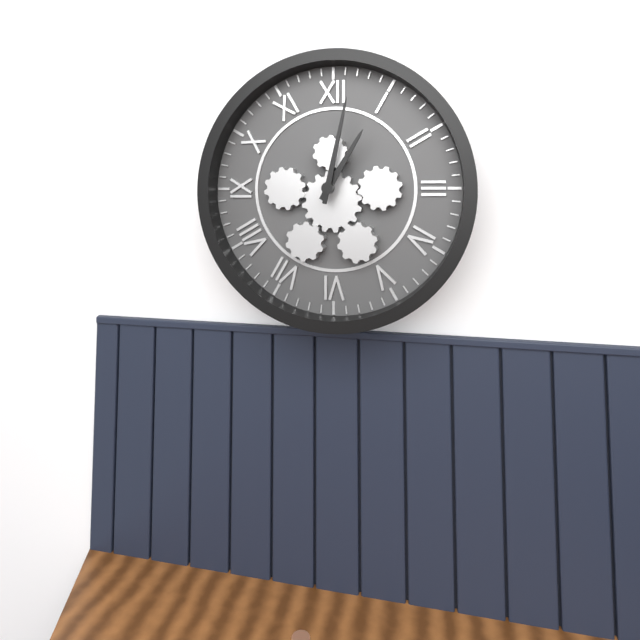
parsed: **1:02**
